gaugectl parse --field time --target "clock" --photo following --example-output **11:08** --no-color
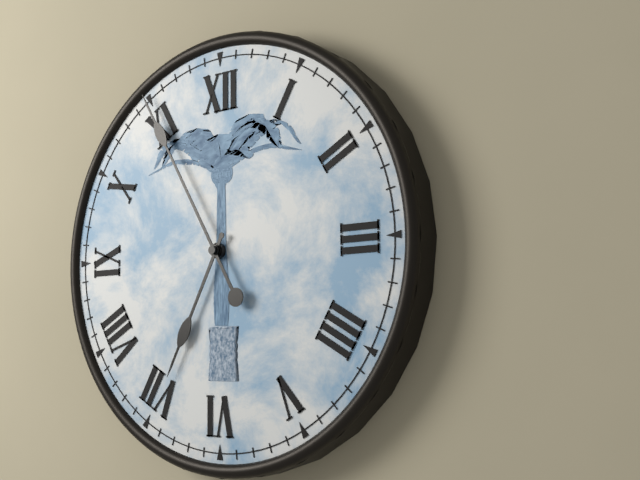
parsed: **6:55**
